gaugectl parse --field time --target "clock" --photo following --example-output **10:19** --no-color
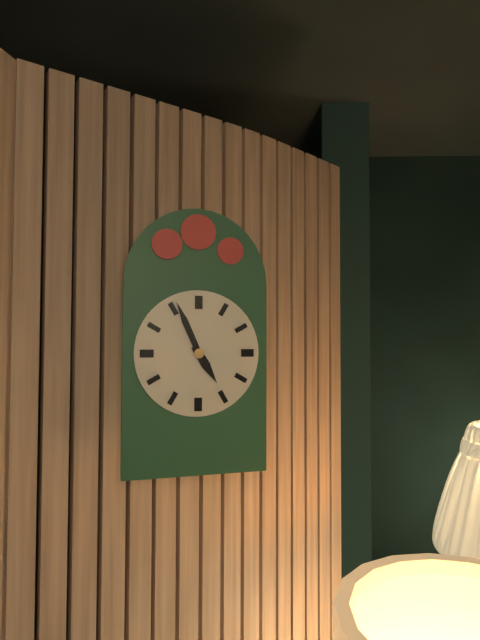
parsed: **4:56**
